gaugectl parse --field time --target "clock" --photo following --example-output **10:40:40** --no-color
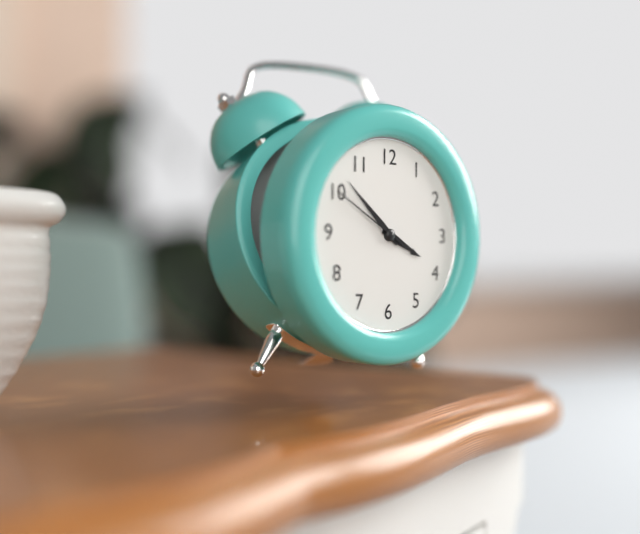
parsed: **3:52:50**
